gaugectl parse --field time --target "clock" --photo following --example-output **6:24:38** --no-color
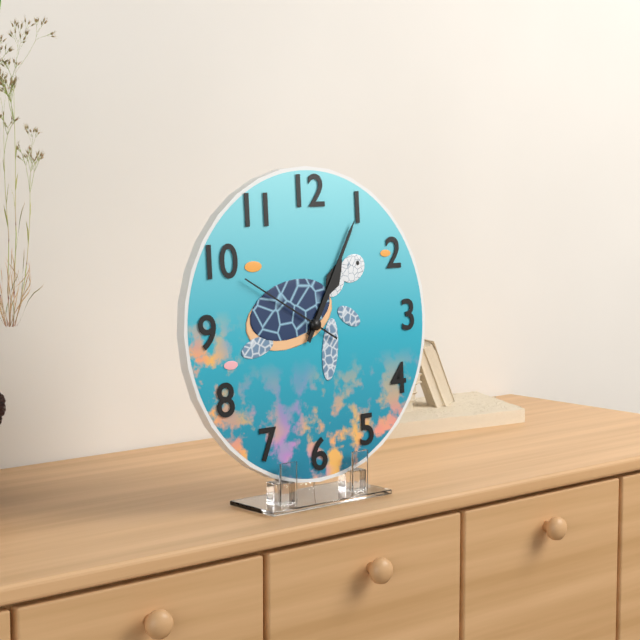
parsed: **1:05:50**
